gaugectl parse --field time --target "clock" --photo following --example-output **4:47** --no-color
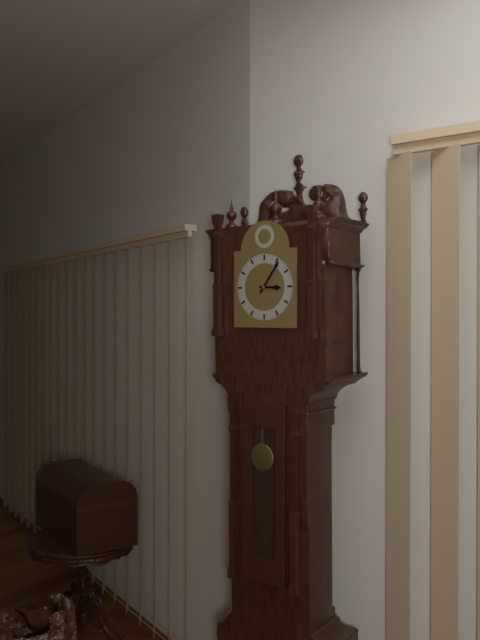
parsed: **3:06**
